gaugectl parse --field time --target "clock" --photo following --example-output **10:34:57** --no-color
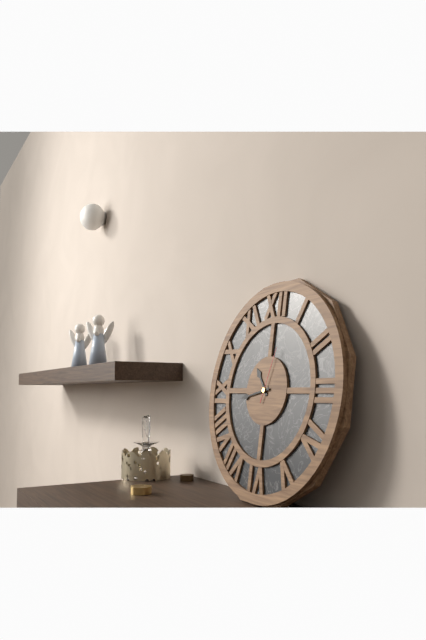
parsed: **10:43:03**
